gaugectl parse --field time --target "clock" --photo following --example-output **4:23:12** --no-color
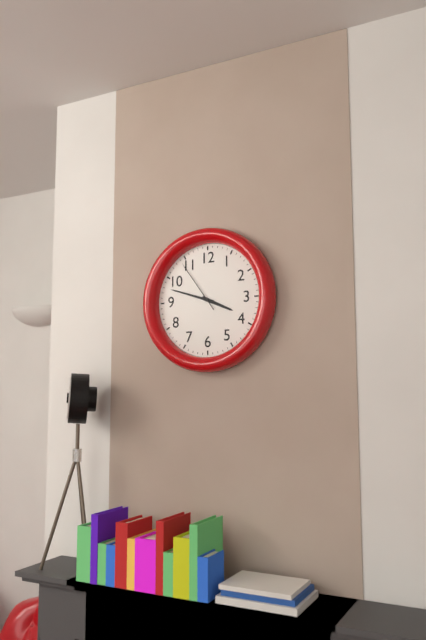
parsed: **3:48:54**
